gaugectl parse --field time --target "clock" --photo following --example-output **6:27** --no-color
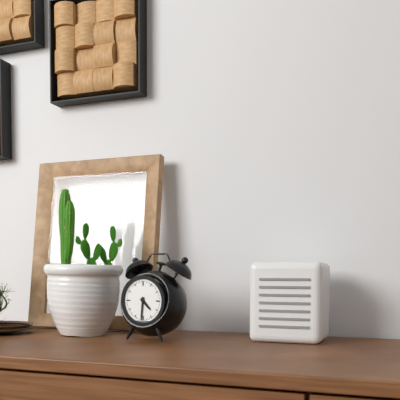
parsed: **4:31**
